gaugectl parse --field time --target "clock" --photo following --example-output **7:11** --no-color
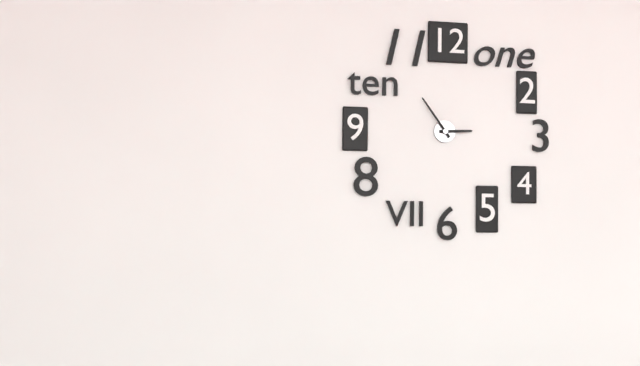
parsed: **2:54**
